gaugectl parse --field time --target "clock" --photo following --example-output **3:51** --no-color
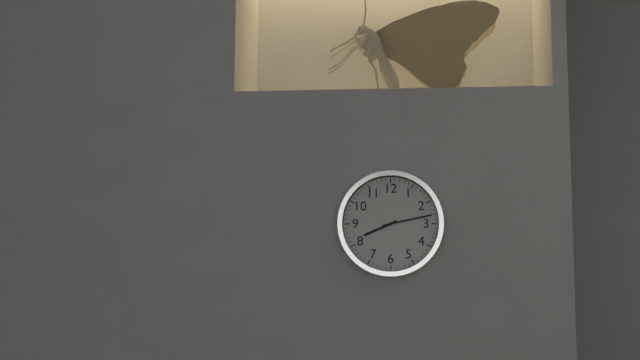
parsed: **8:13**
